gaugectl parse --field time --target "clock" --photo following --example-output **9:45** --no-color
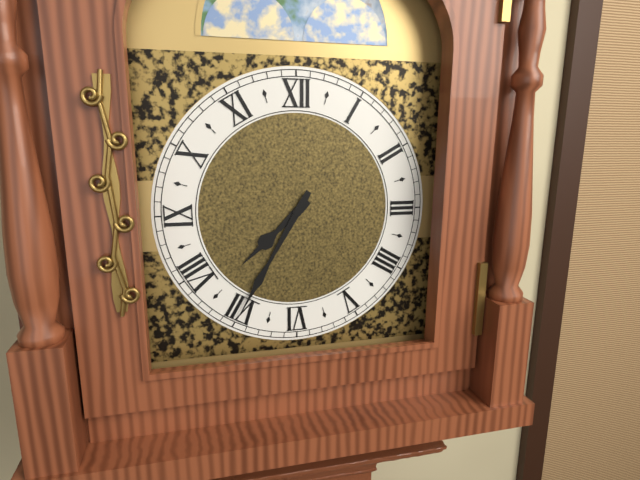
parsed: **7:35**
